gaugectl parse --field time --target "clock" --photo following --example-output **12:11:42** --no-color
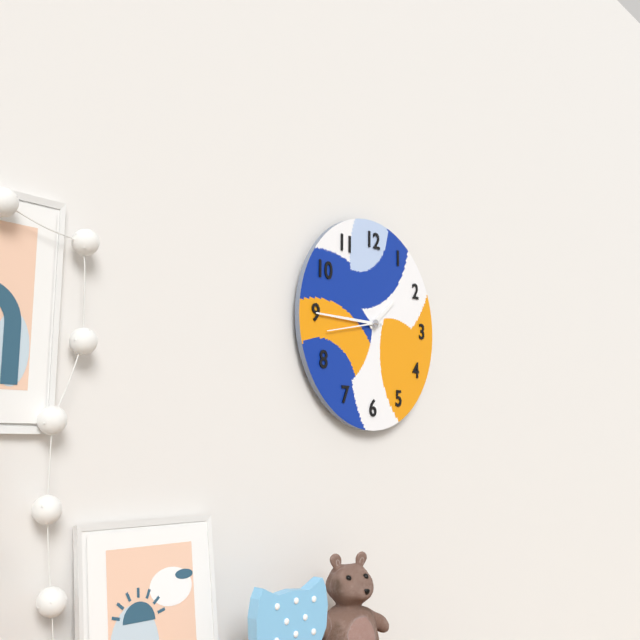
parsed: **1:45:43**
